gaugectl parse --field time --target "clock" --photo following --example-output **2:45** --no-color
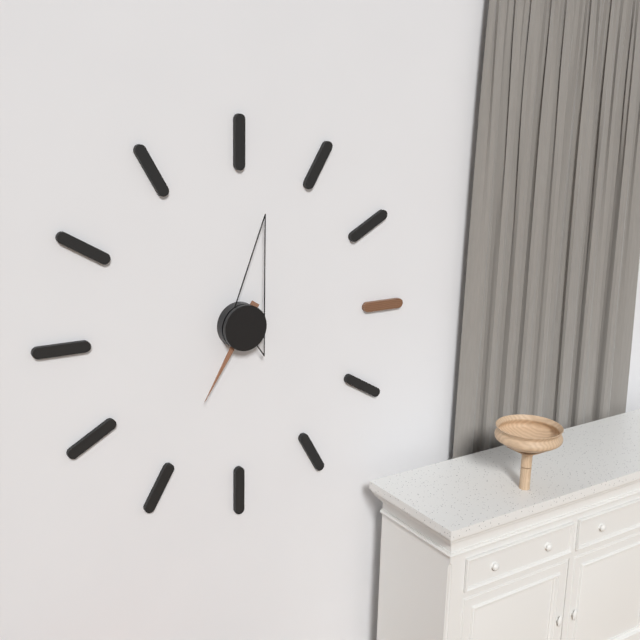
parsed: **7:02**
